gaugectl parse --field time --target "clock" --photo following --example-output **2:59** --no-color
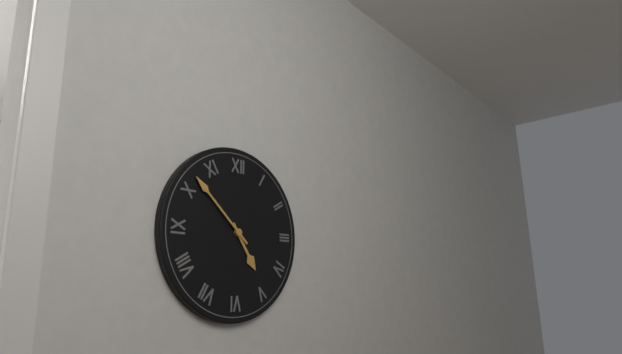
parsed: **4:52**
